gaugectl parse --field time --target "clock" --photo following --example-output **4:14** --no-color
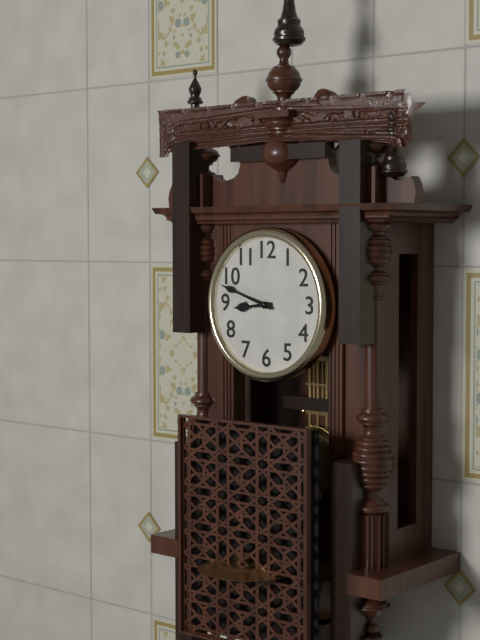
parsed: **8:48**
